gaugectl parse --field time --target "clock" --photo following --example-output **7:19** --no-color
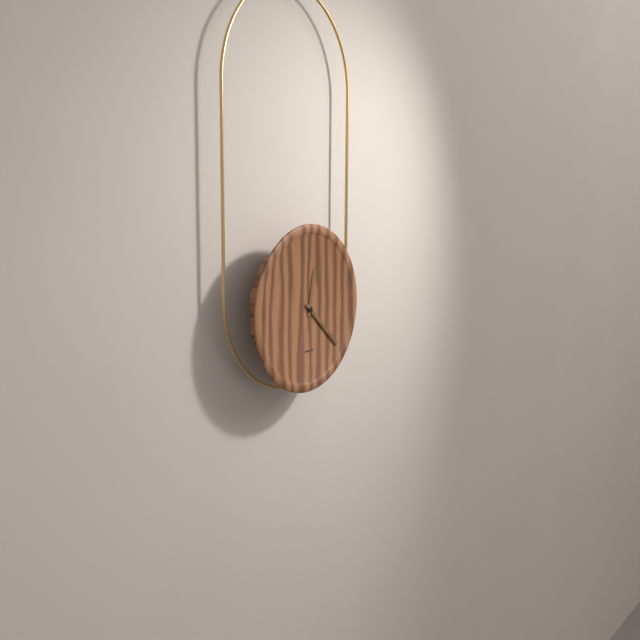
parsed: **12:22**
